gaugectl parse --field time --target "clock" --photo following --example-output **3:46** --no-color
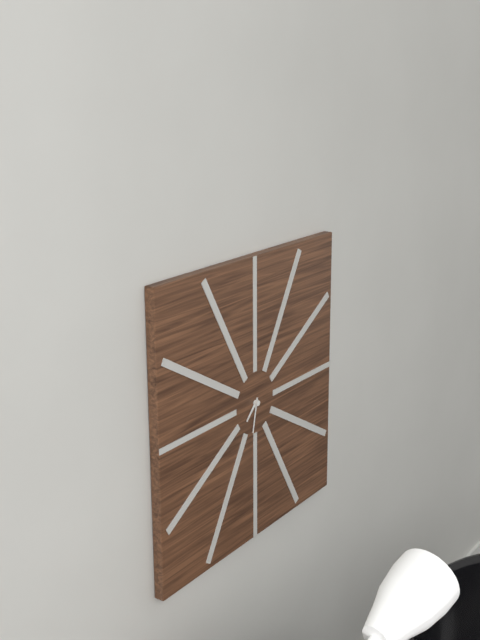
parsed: **7:32**
